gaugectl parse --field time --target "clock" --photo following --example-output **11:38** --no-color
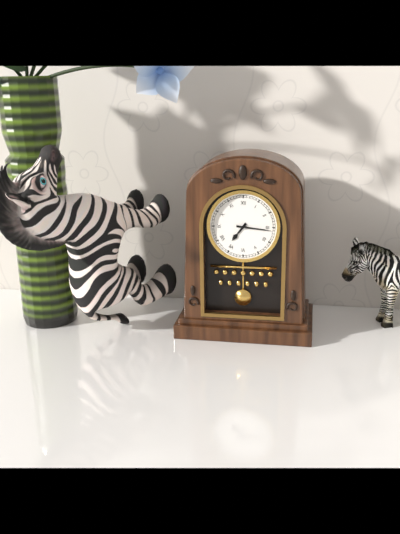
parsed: **7:16**
